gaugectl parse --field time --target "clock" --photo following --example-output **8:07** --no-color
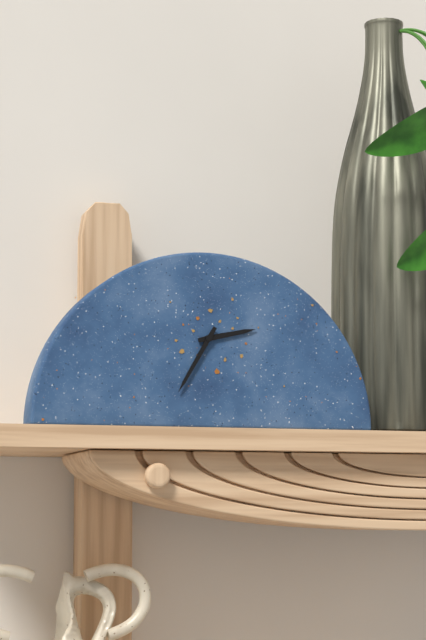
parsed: **2:35**
